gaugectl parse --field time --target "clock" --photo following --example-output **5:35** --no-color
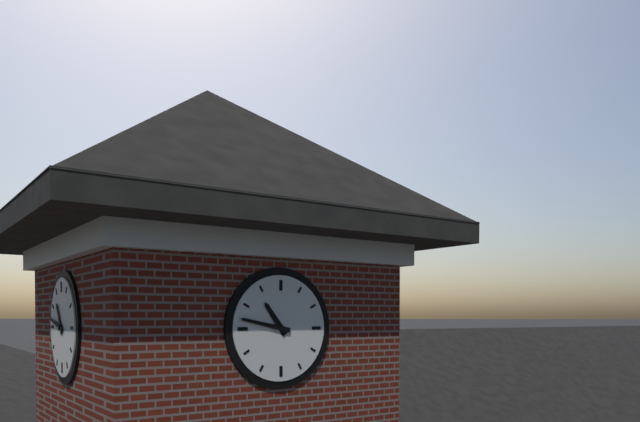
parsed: **10:47**
